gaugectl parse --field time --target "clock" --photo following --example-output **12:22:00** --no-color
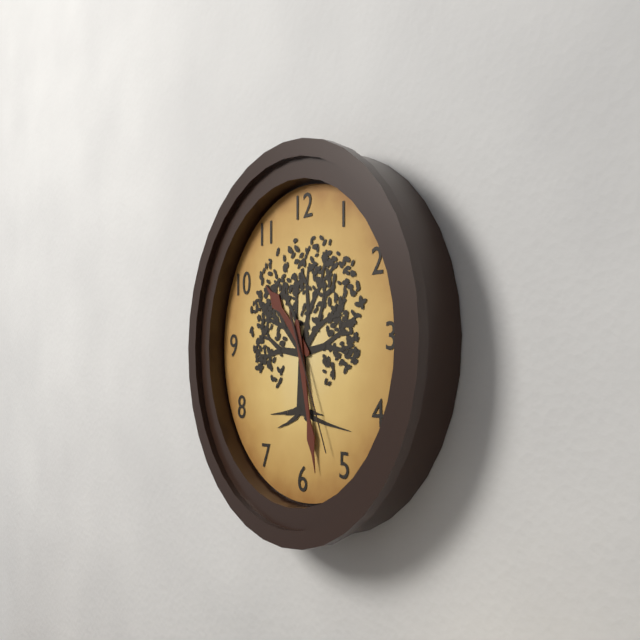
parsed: **10:28:26**
